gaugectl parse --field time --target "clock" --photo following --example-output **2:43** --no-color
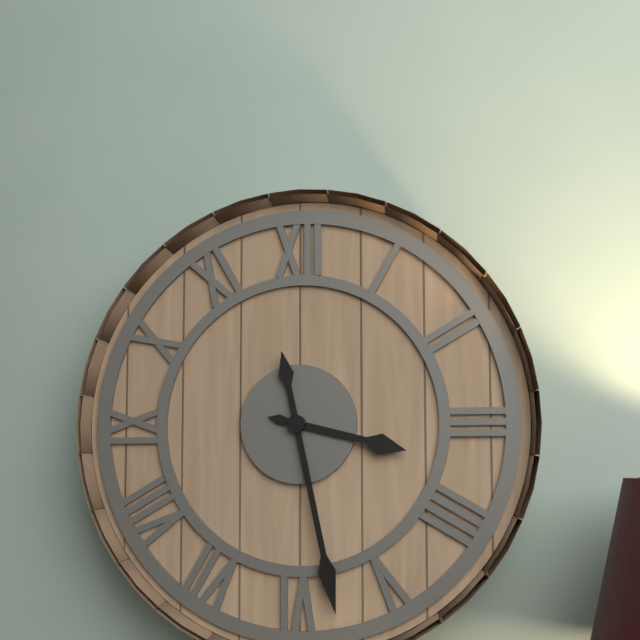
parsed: **3:28**
